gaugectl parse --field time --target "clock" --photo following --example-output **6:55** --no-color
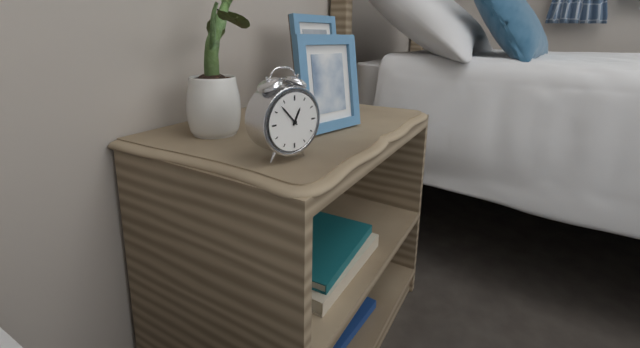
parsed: **12:53**
